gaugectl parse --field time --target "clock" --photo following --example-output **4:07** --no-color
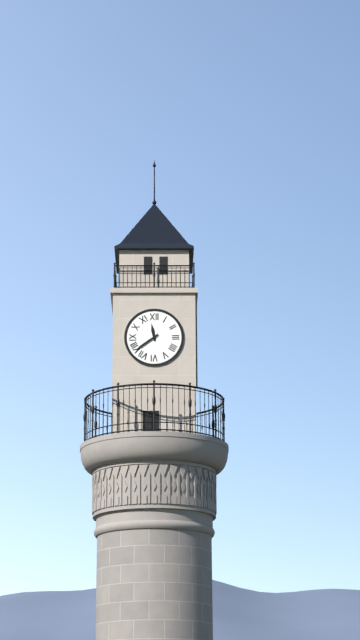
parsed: **11:39**
